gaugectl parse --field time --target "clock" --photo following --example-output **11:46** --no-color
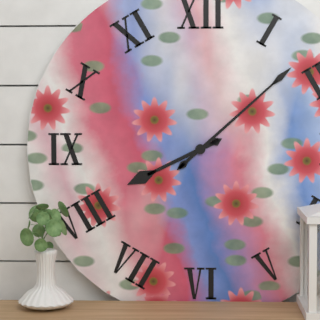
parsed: **8:08**
